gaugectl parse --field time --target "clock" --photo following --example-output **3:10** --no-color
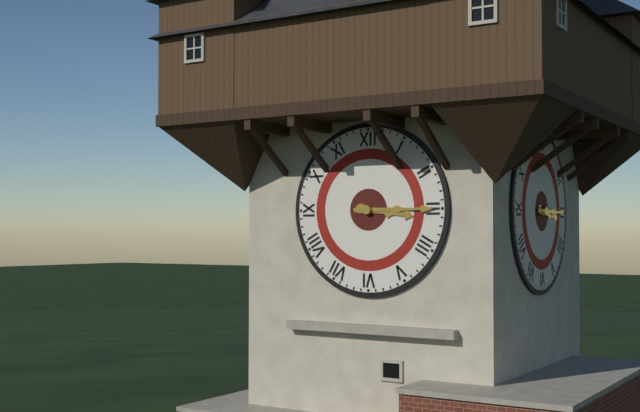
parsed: **3:15**
